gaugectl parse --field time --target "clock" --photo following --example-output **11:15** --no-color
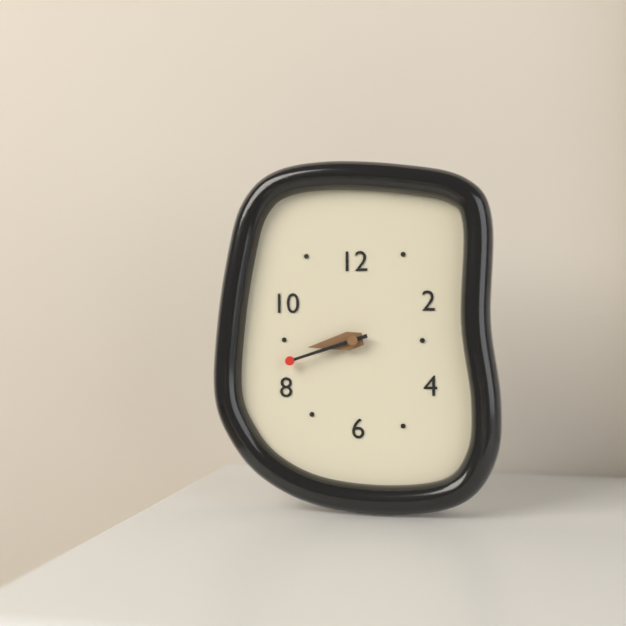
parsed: **8:42**
